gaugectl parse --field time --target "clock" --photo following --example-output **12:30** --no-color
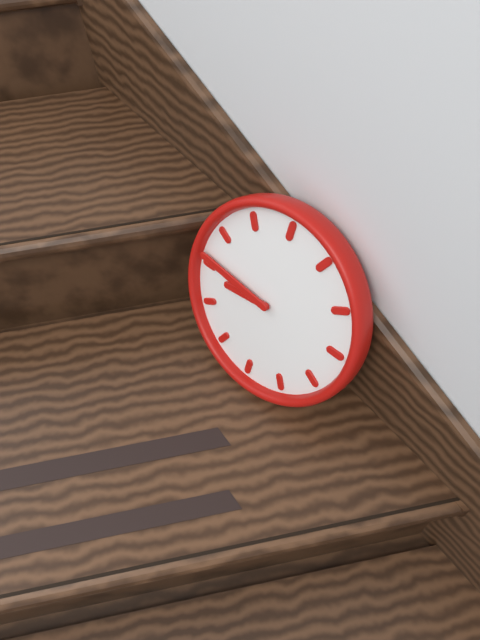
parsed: **8:46**
